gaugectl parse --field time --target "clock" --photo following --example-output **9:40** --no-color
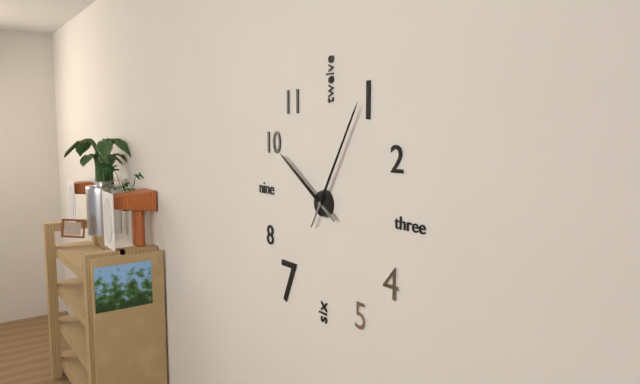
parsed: **10:05**
